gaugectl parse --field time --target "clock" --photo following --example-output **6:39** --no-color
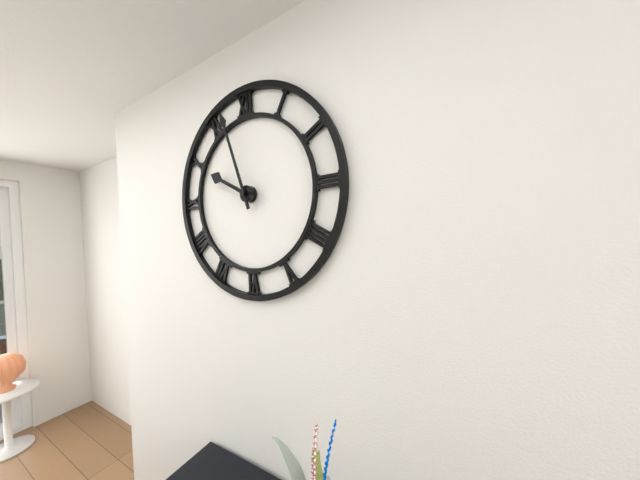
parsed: **9:57**
